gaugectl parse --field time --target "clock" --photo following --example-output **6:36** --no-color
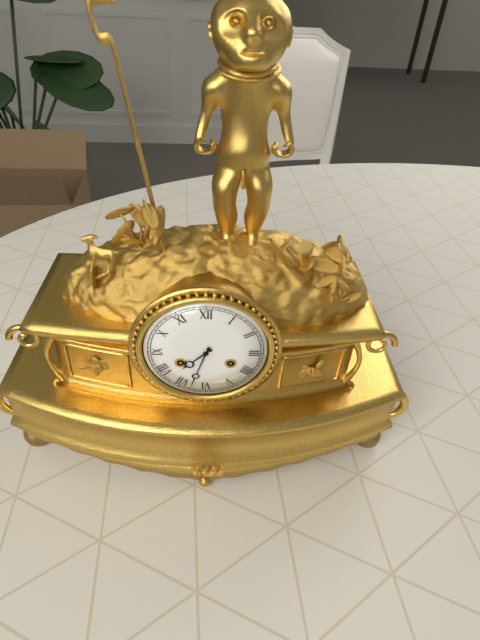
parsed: **7:33**
